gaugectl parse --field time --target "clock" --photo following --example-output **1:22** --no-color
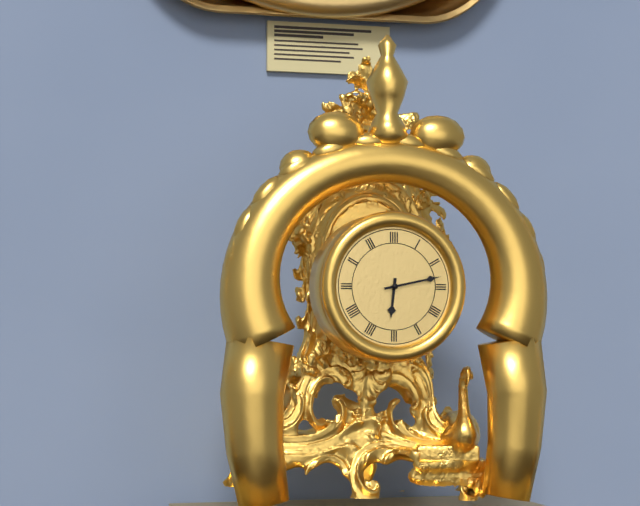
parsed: **6:13**
